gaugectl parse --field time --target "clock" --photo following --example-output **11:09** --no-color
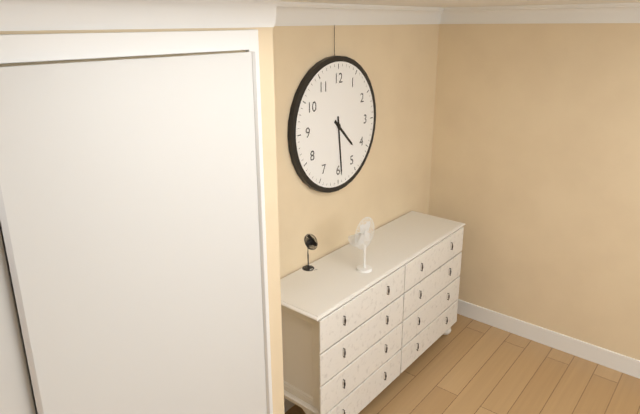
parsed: **4:29**
